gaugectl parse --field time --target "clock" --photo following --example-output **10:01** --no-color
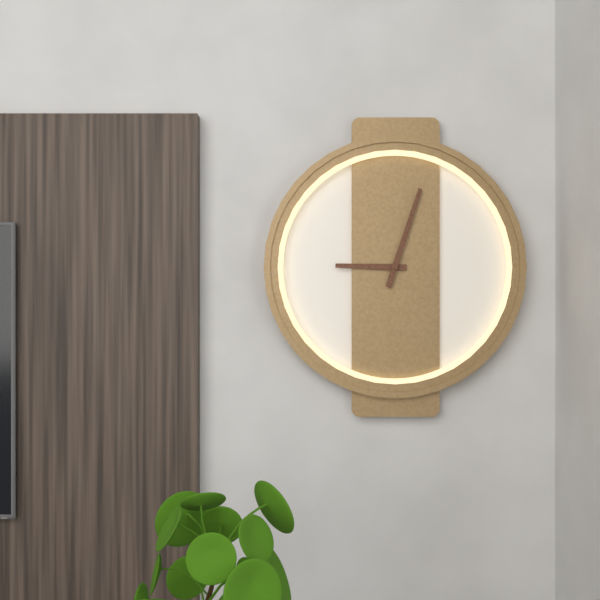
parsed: **9:03**
